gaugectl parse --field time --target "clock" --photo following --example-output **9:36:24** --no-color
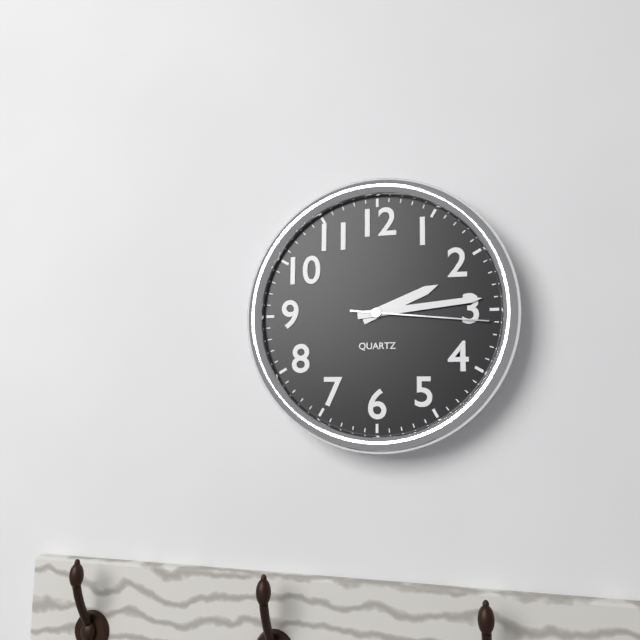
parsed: **2:14:16**
